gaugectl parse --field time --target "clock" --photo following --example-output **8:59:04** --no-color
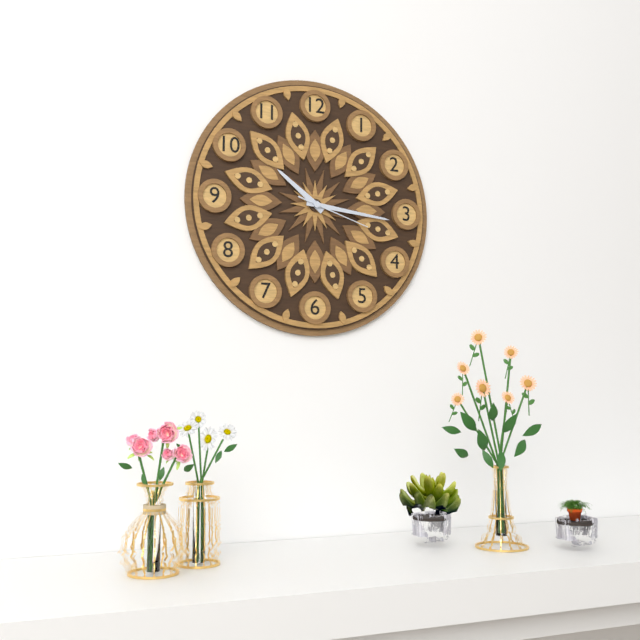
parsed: **10:16:18**
